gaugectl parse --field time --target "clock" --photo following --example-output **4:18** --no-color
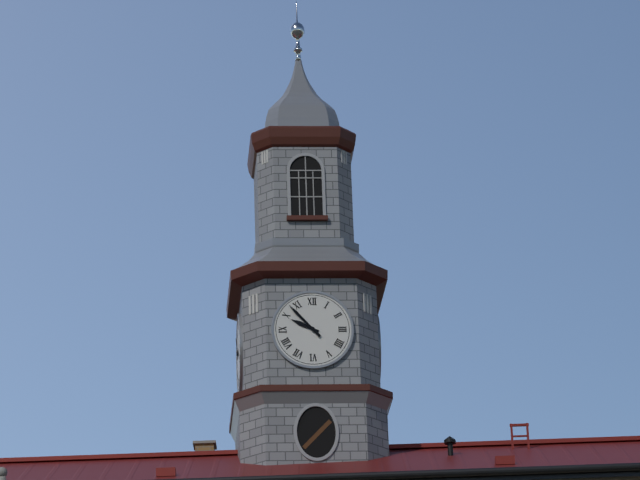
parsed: **9:53**
